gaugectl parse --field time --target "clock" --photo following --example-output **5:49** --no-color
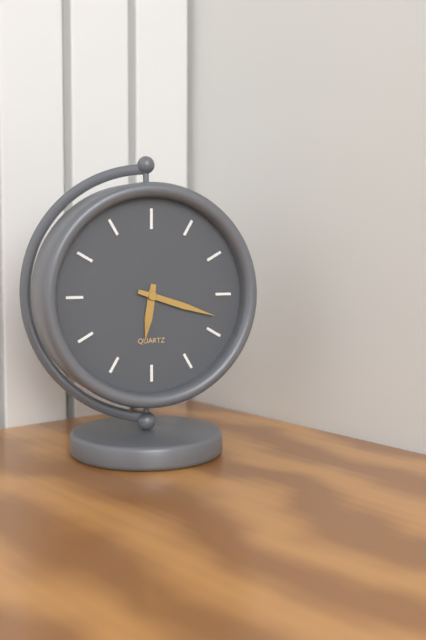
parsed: **6:18**
